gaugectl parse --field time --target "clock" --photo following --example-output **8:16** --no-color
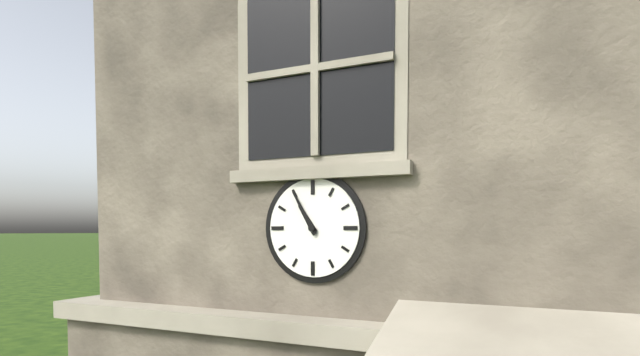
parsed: **10:55**
